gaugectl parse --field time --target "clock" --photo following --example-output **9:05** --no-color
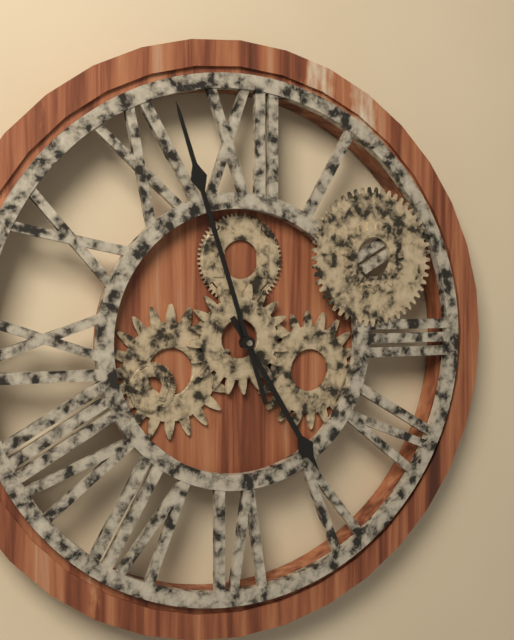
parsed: **4:57**
